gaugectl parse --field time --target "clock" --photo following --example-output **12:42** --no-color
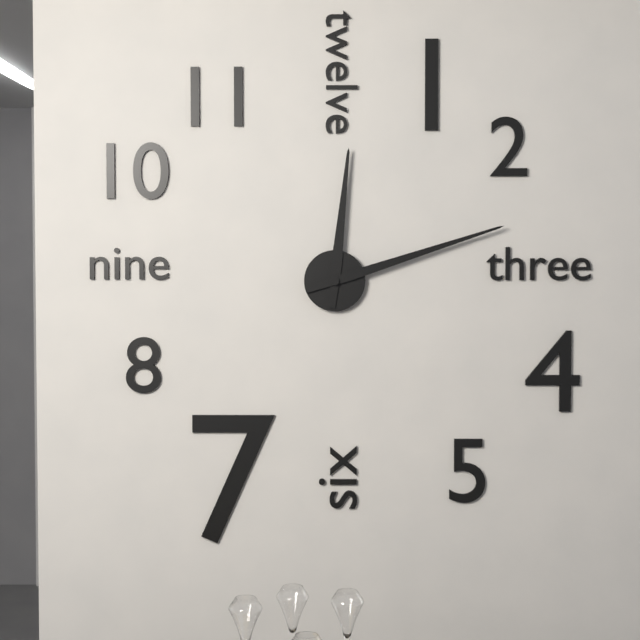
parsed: **12:12**
